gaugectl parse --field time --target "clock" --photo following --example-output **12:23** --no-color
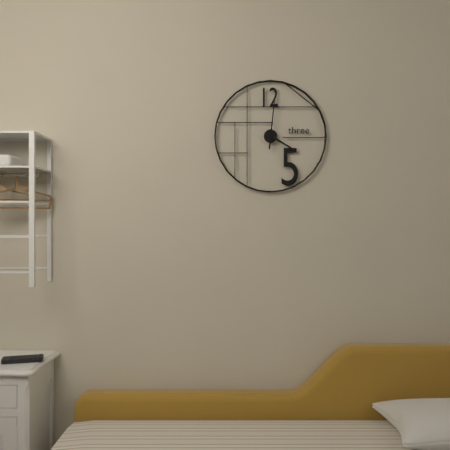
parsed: **4:01**
